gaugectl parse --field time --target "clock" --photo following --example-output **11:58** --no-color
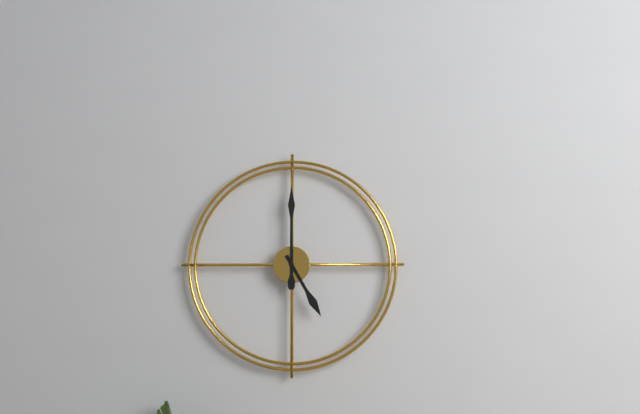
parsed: **5:00**
